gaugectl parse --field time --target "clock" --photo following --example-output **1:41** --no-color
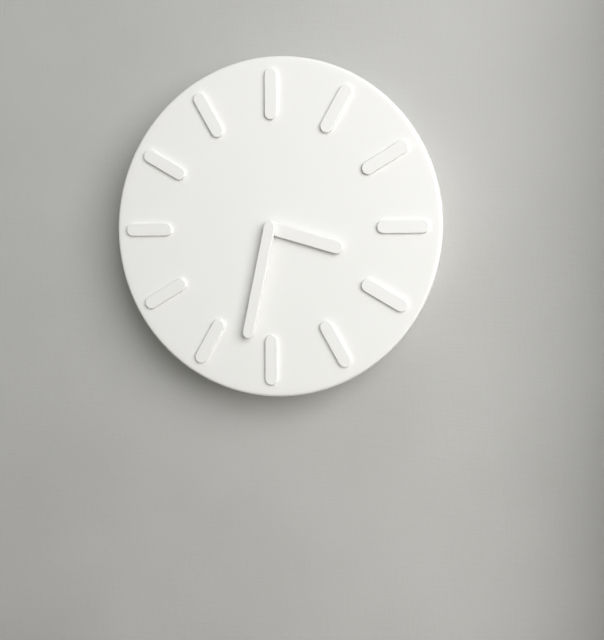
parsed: **3:32**
